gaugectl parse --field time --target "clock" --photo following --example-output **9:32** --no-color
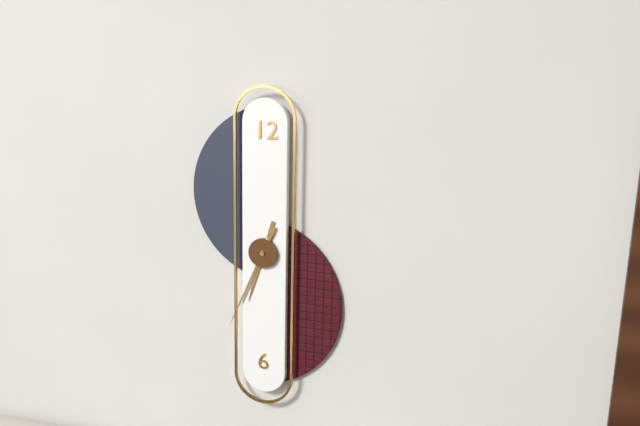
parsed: **6:34**
